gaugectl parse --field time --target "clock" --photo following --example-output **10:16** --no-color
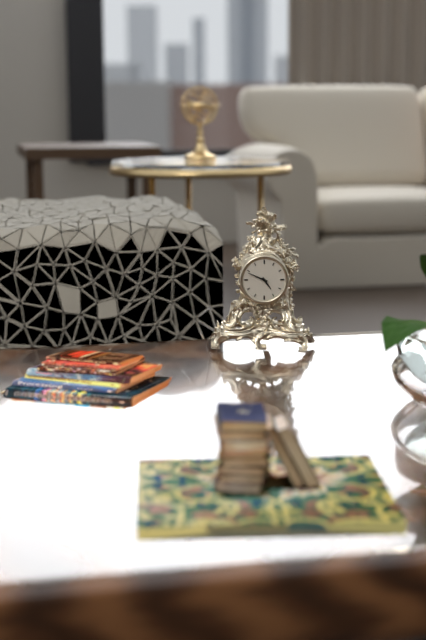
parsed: **4:49**
